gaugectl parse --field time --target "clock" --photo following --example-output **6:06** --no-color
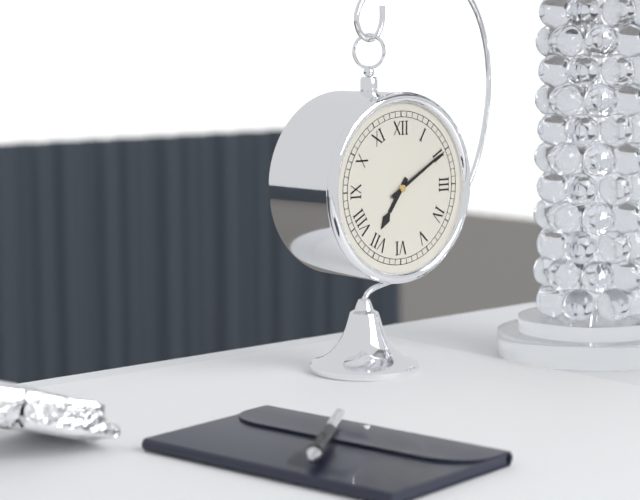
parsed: **7:10**
